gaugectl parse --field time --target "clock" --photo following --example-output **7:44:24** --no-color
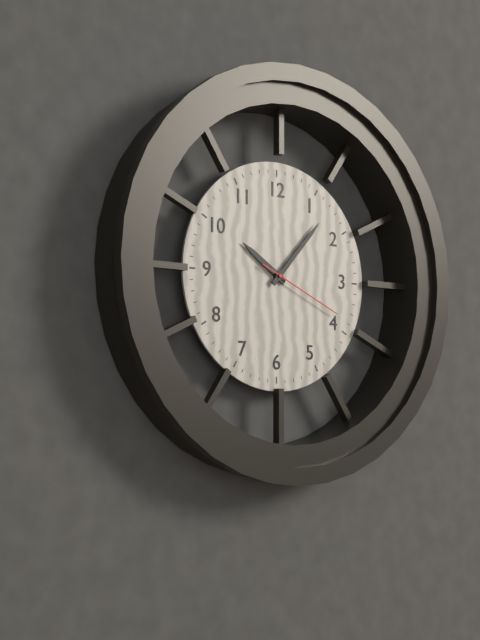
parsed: **10:07:19**
